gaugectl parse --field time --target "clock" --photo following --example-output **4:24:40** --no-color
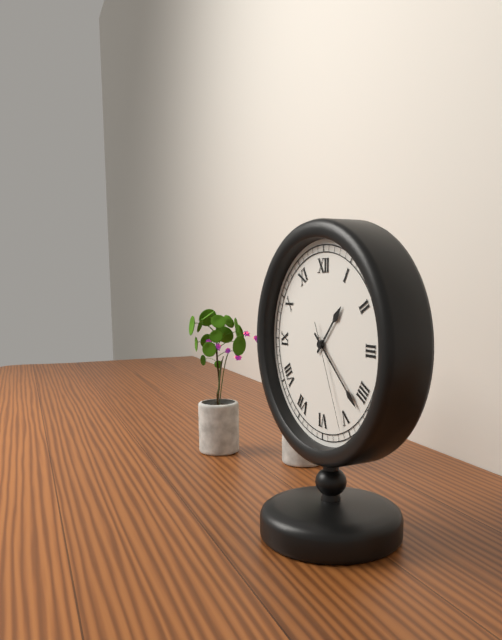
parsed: **1:22:26**
